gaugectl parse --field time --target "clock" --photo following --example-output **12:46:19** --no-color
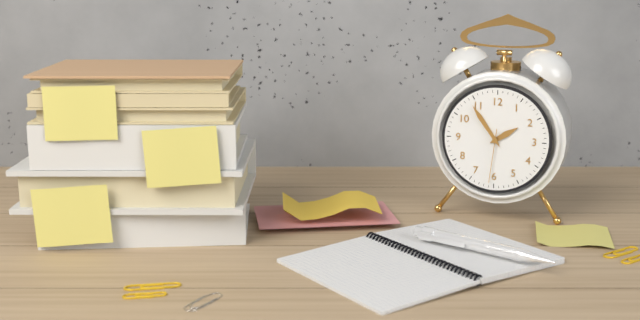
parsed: **1:54:31**
